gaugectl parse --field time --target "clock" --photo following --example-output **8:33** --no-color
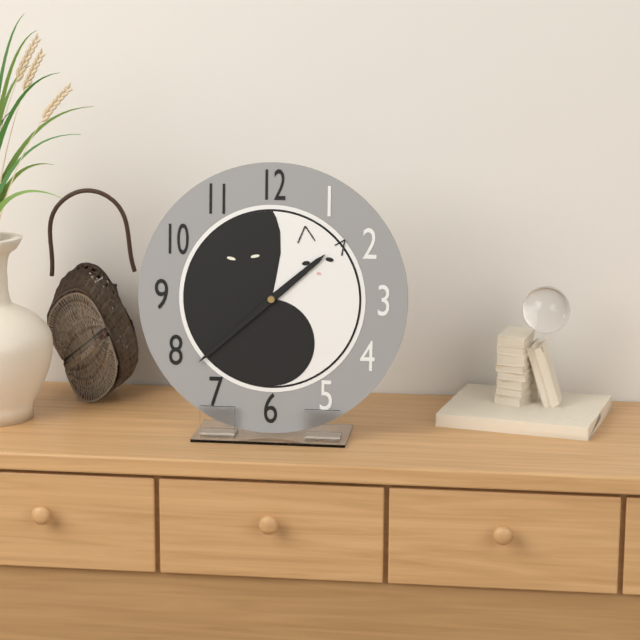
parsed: **1:38**
